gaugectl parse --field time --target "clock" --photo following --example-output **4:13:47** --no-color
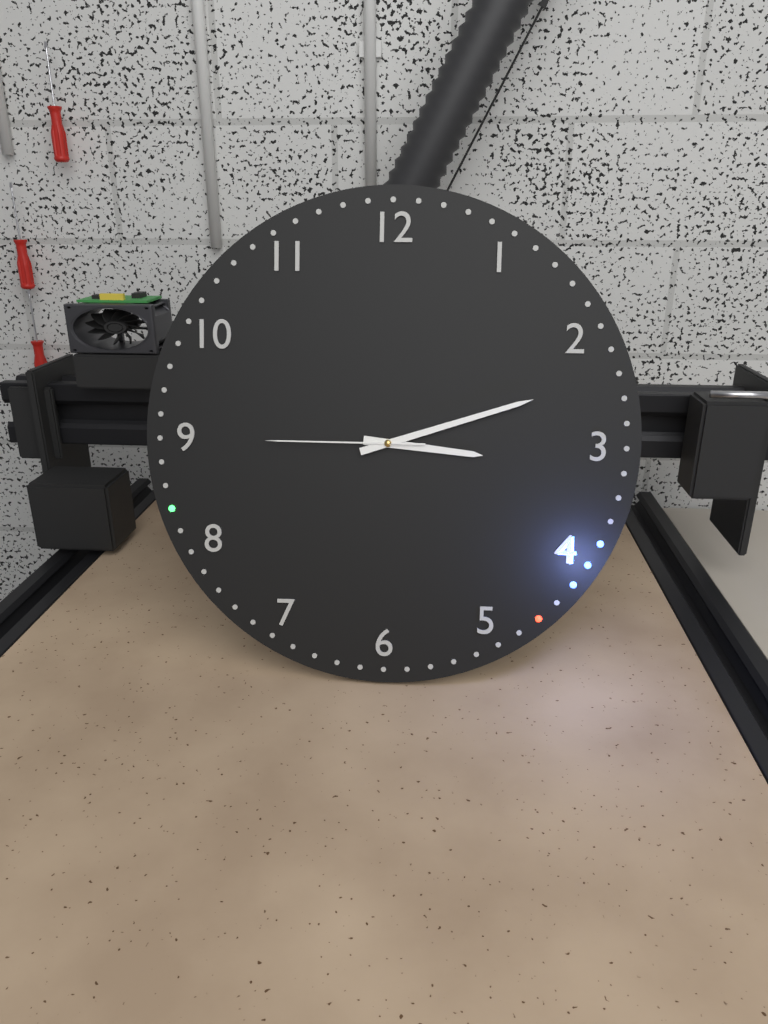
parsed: **3:12:45**
